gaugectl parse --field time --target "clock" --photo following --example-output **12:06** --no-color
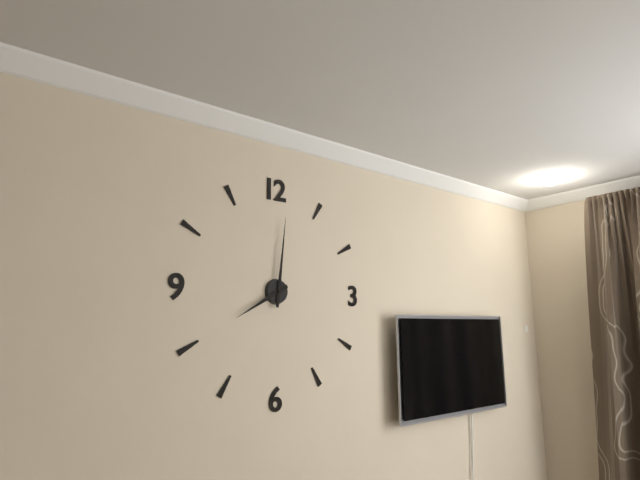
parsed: **8:01**
